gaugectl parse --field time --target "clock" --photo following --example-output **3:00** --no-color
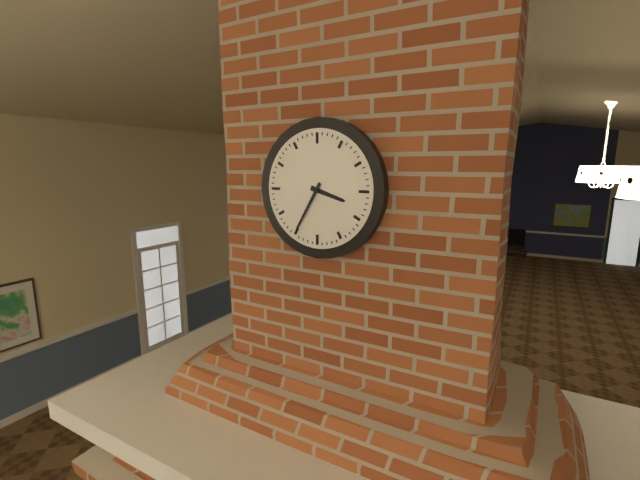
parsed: **3:35**
